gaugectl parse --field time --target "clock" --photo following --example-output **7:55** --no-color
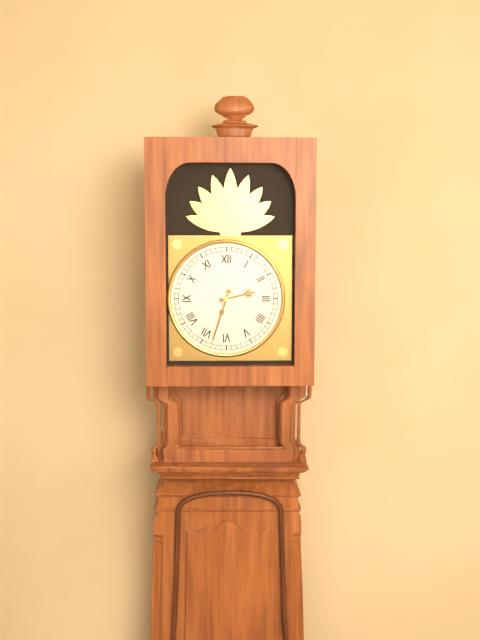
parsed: **2:33**
